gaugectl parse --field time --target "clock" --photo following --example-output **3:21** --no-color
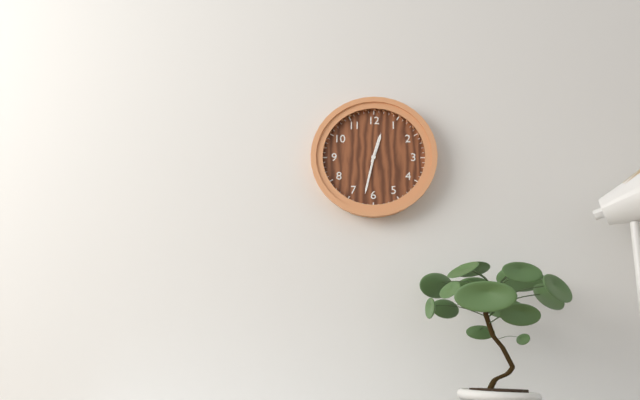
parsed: **12:32**
